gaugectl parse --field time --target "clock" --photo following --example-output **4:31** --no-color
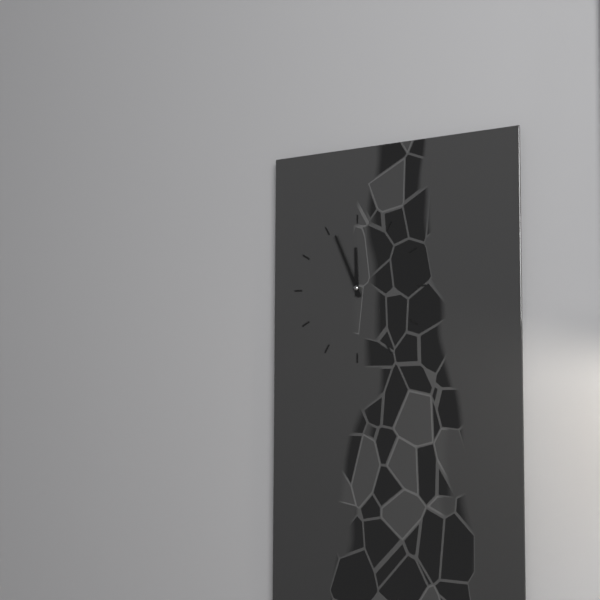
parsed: **11:56**
